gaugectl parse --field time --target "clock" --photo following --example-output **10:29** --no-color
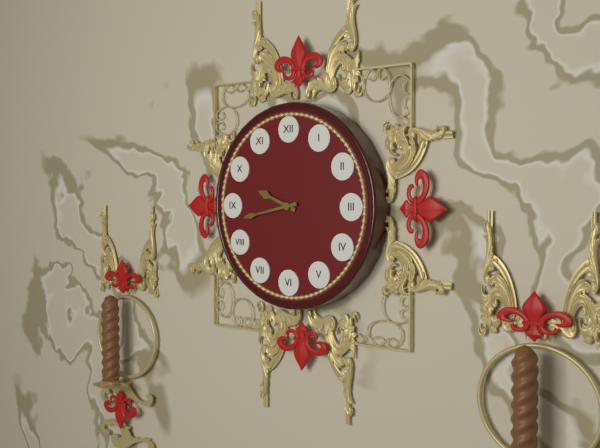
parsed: **9:43**
